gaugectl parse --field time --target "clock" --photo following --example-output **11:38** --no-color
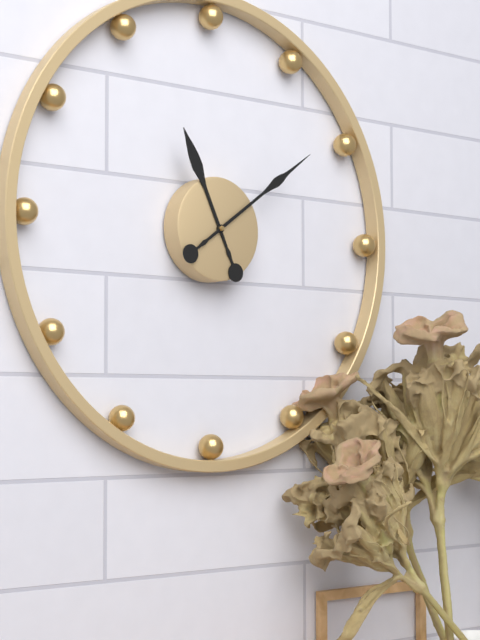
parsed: **11:09**
